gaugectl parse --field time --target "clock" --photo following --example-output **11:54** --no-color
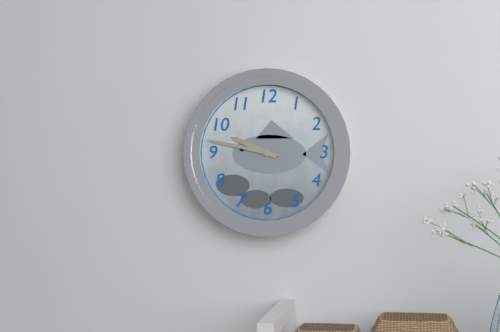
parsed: **9:47**
